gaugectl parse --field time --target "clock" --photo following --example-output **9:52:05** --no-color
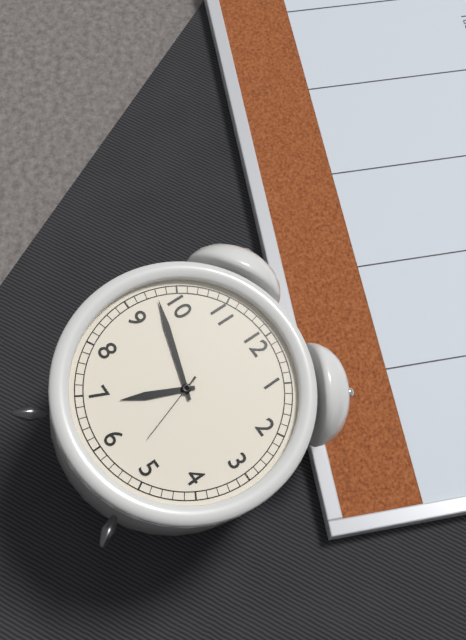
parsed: **6:48:27**
